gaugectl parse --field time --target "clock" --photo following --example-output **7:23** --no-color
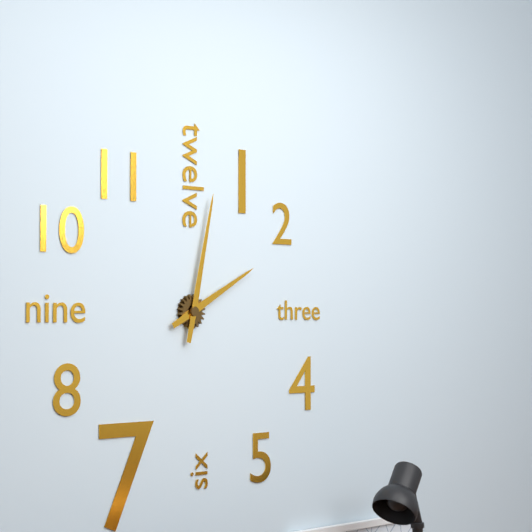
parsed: **2:02**
